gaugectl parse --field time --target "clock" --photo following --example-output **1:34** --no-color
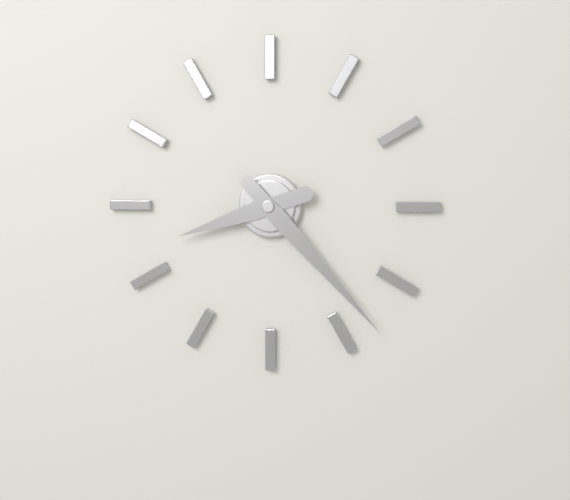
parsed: **8:23**
